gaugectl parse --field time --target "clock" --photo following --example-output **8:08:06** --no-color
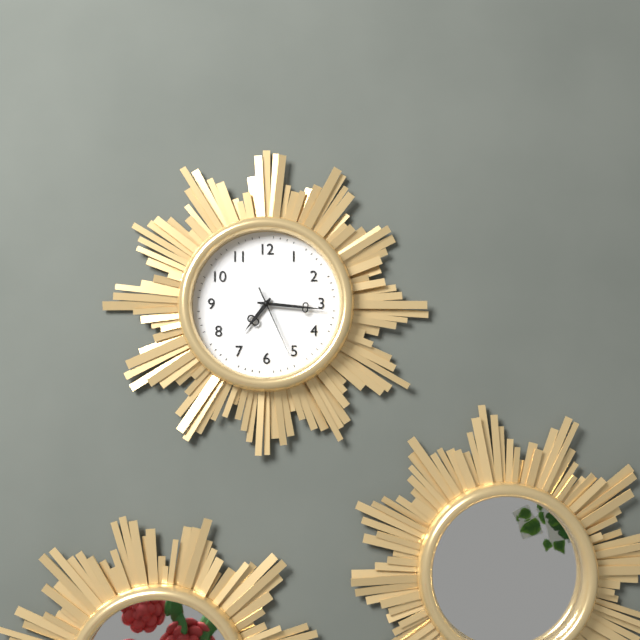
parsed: **7:16:26**
